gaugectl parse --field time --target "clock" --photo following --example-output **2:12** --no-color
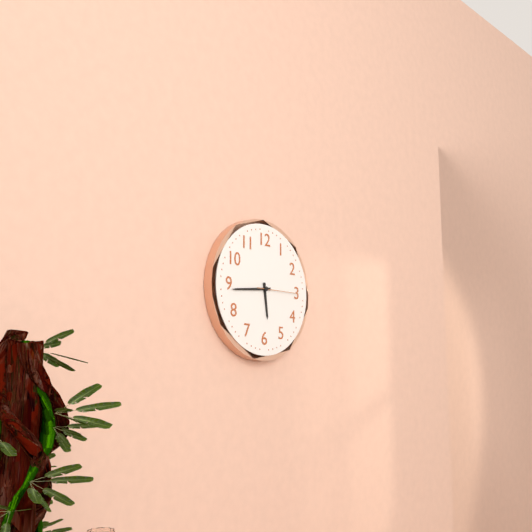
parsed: **5:44**
